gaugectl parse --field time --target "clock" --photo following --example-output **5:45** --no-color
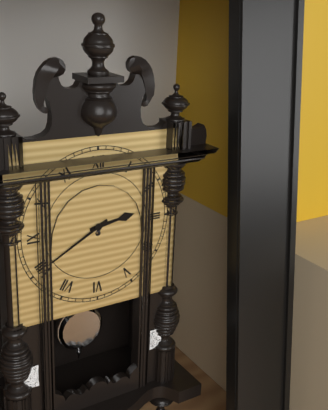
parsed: **2:40**
